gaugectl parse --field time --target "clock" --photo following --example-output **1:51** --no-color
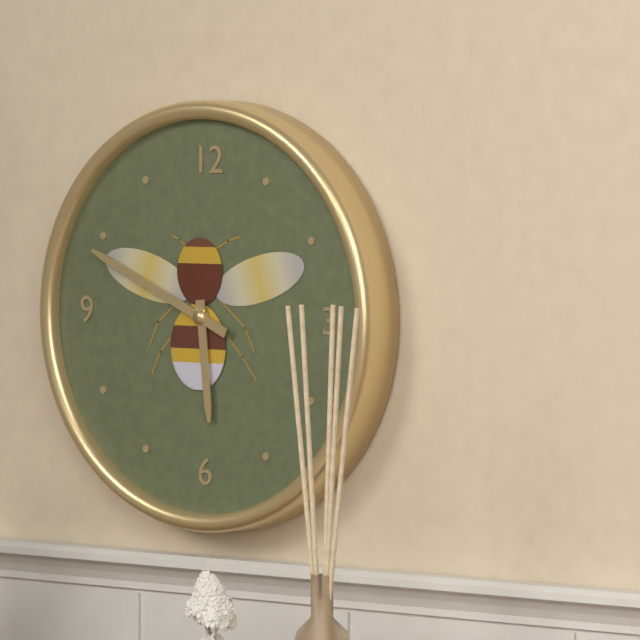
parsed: **5:49**
